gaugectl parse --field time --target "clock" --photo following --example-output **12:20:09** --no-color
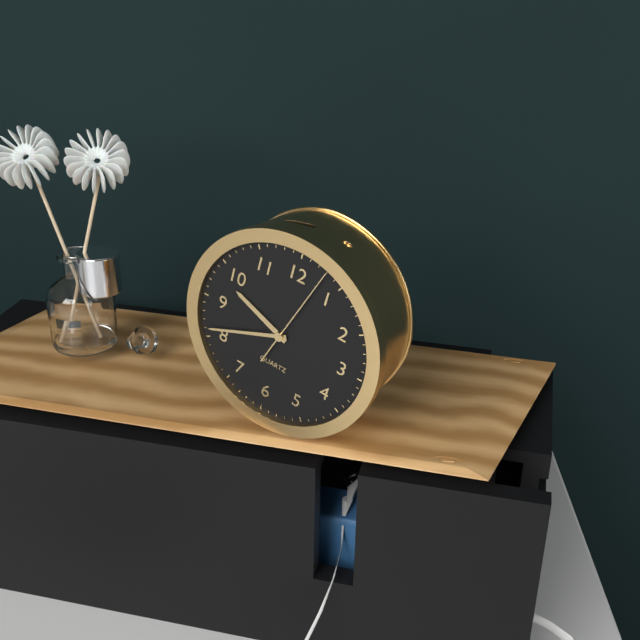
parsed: **9:41:03**
